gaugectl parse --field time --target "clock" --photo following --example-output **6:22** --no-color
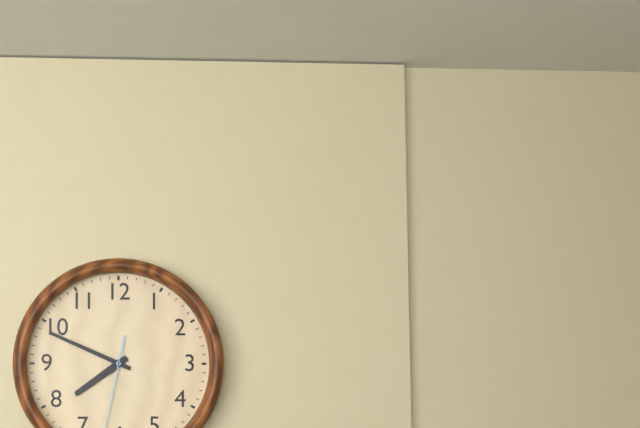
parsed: **7:49**
